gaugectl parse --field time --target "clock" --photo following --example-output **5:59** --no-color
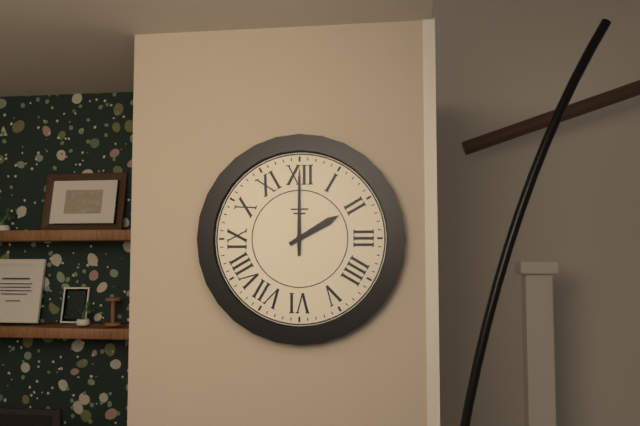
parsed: **2:00**
